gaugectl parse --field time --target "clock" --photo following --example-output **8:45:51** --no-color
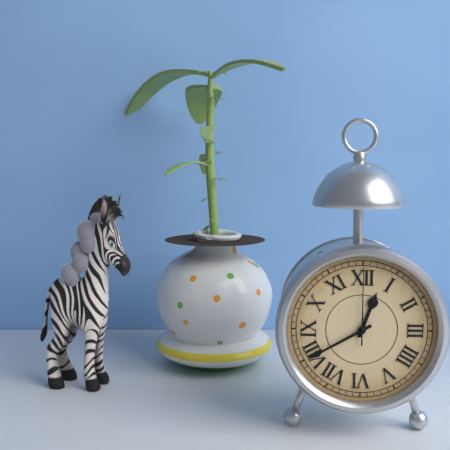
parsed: **12:40:00**
